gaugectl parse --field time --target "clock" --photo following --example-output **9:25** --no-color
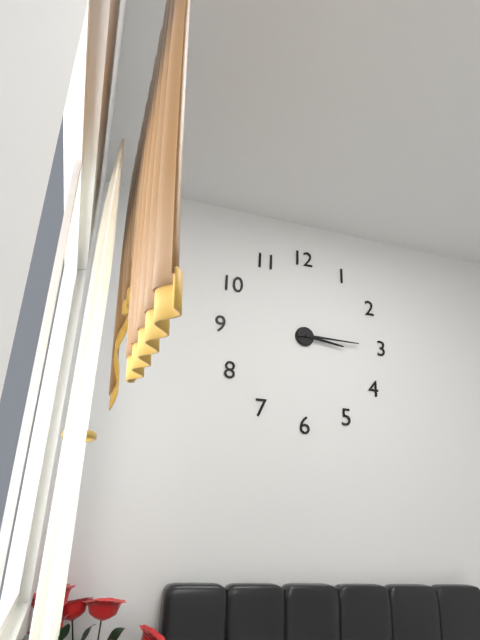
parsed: **3:15**
